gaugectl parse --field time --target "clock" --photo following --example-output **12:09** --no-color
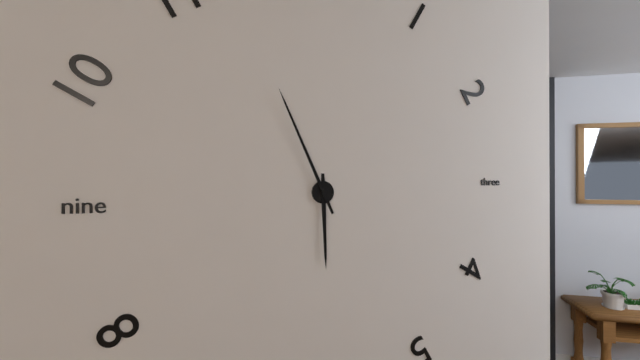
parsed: **5:56**
